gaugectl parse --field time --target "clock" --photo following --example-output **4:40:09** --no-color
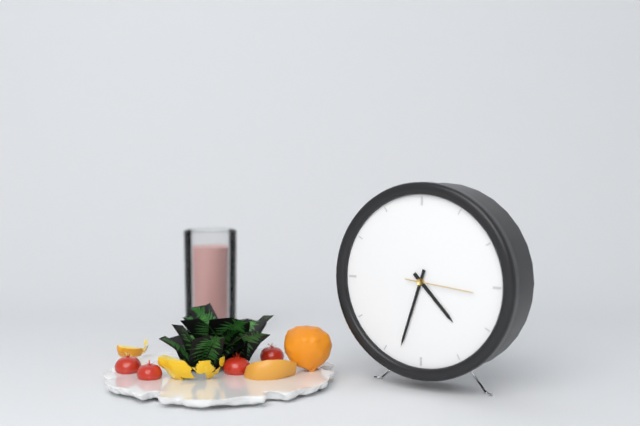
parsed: **4:33:16**
